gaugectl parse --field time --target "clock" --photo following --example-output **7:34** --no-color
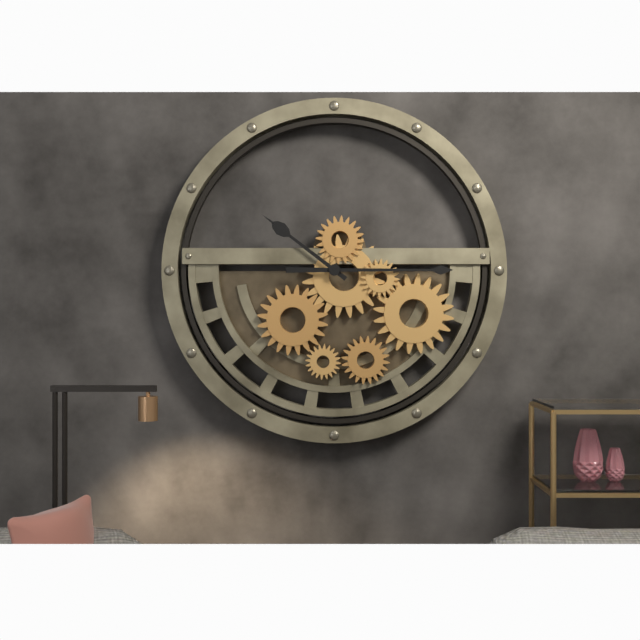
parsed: **10:15**
